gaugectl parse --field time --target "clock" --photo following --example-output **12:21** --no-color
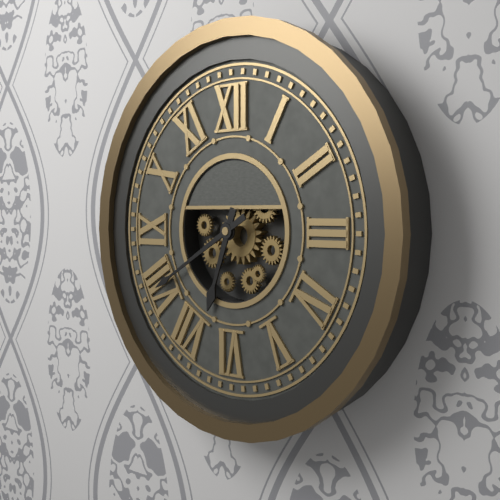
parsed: **6:40**
